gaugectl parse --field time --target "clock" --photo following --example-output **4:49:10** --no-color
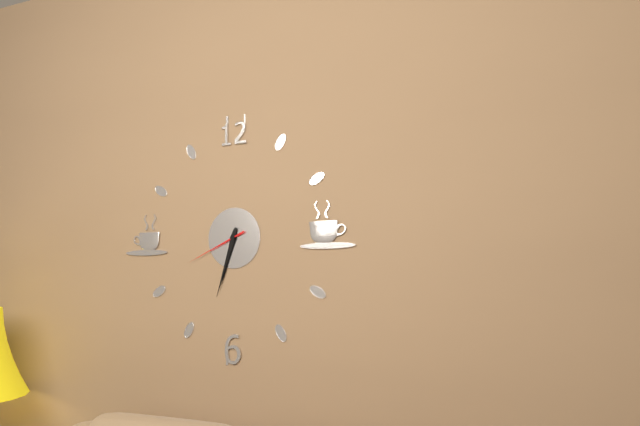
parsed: **6:33:41**
